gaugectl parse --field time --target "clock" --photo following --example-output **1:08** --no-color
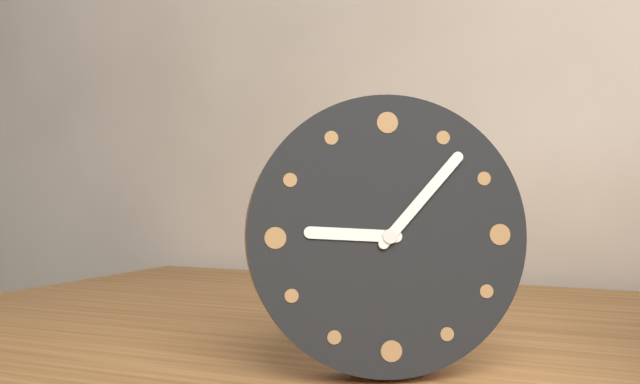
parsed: **9:07**
